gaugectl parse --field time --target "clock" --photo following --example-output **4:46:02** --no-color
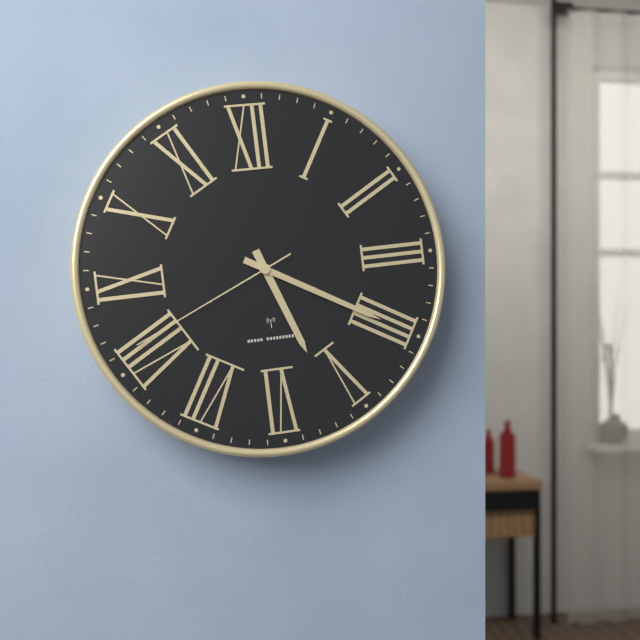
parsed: **5:20:41**
